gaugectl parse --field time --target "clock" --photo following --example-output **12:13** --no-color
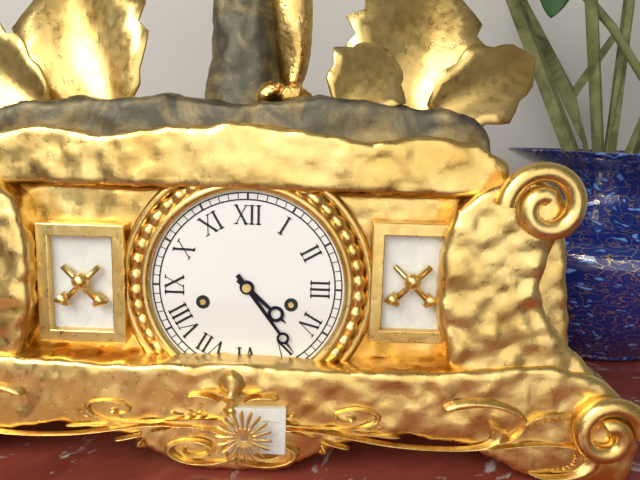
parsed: **4:24**
